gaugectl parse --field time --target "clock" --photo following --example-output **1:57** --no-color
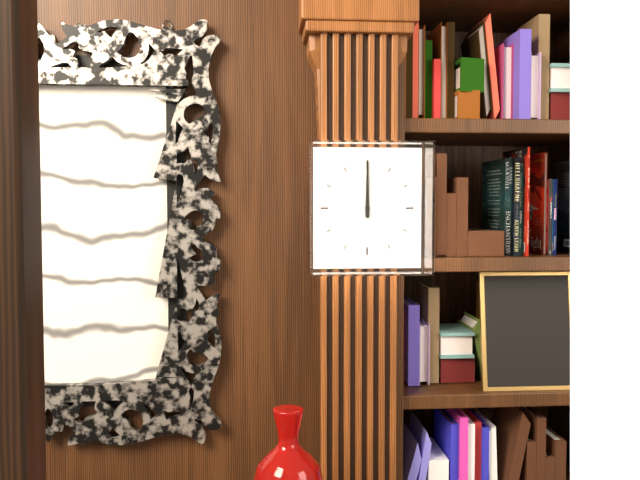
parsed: **12:00**
